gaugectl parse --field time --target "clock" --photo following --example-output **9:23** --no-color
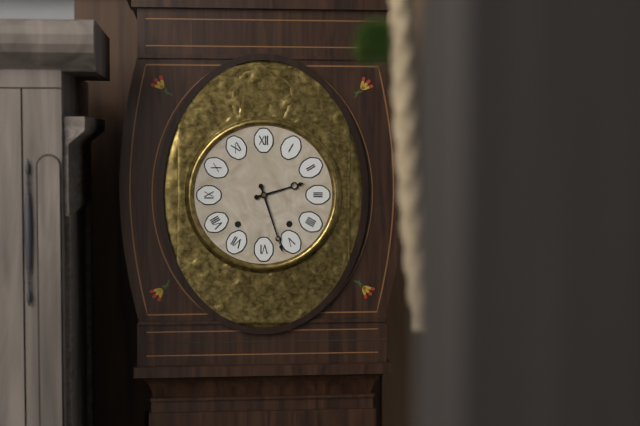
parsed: **2:27**
